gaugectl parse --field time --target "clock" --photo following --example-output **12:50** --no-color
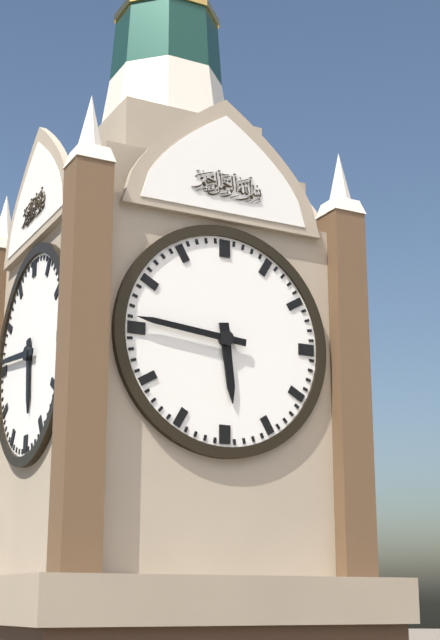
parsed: **5:46**
